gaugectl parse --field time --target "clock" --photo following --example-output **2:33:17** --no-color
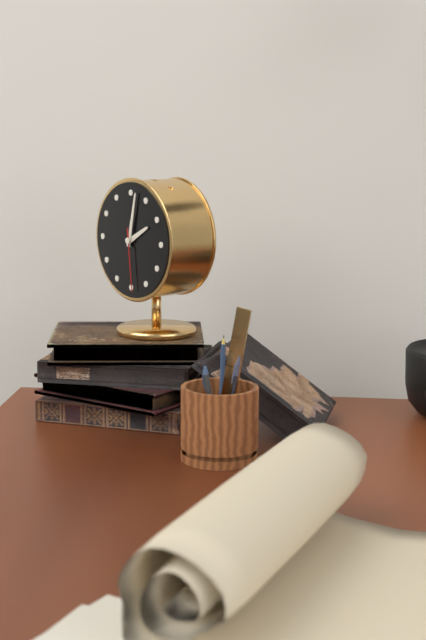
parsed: **2:02:29**
